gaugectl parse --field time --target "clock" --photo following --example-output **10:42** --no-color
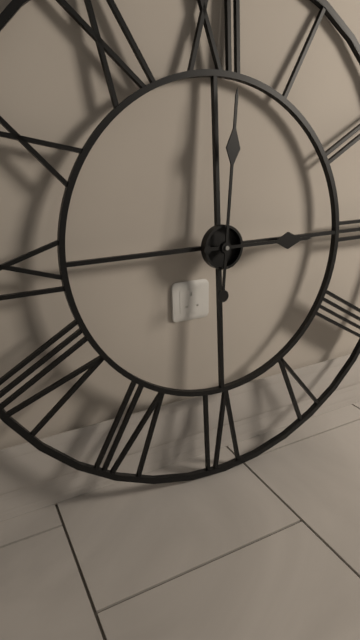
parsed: **3:01**
